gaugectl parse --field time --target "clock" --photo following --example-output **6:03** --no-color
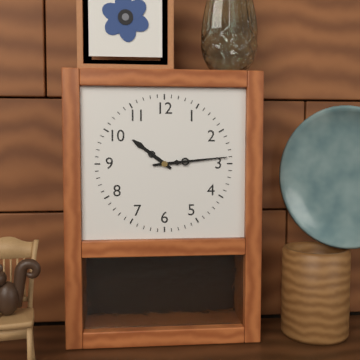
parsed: **10:14**
